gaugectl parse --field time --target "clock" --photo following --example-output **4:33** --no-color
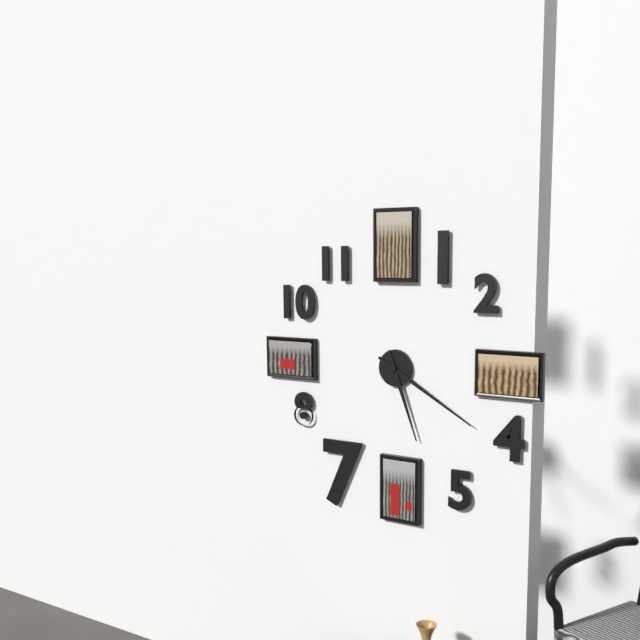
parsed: **5:20**
